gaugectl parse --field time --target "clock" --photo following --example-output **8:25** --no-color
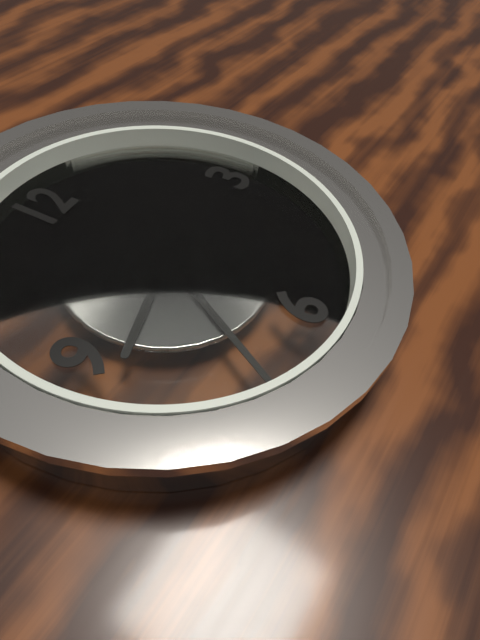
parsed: **8:35**
